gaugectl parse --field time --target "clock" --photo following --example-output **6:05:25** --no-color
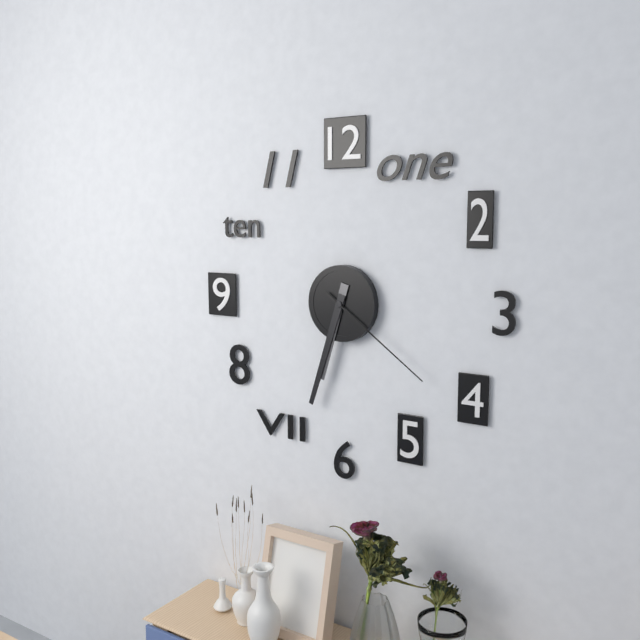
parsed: **6:33:21**
